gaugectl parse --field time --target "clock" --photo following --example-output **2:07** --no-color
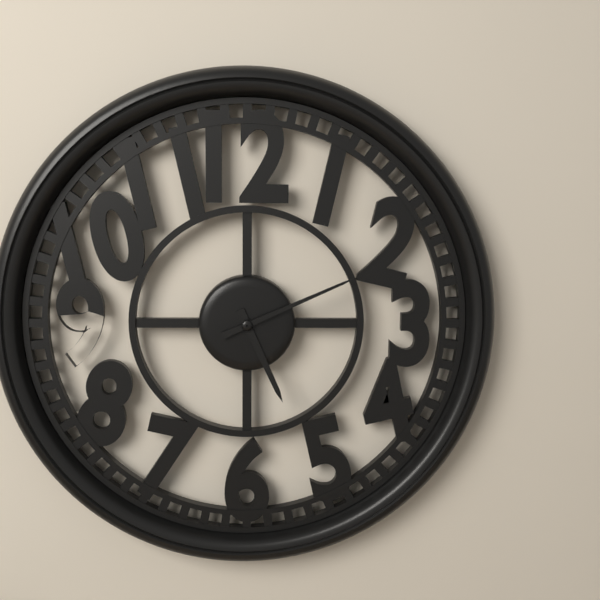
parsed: **5:11**
